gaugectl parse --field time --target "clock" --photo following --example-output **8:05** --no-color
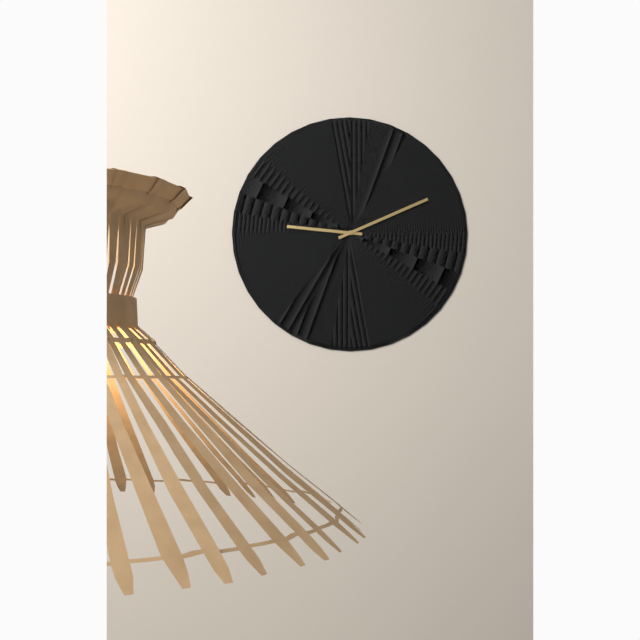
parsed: **9:11**
